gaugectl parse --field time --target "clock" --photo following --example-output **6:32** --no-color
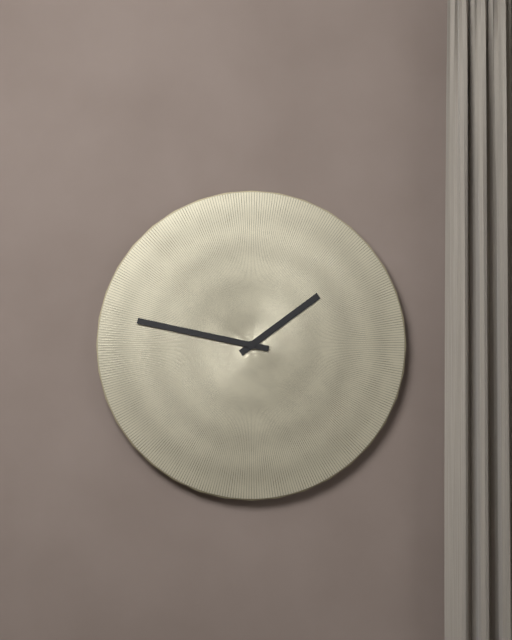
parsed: **1:47**
